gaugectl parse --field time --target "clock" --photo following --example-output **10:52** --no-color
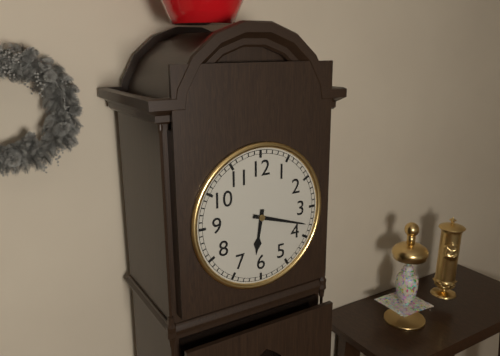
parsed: **6:18**
